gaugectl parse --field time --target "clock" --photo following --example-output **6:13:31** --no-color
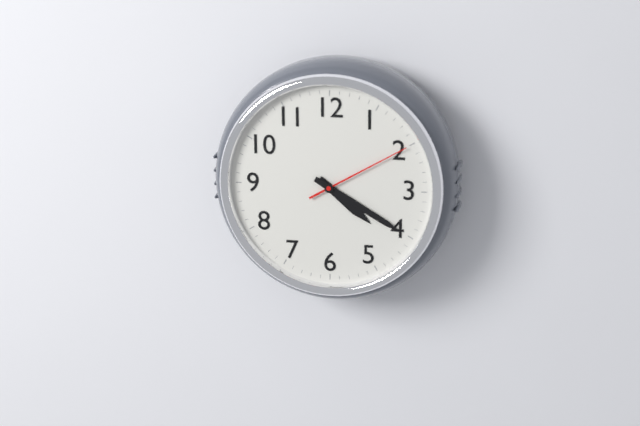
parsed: **4:20:10**
